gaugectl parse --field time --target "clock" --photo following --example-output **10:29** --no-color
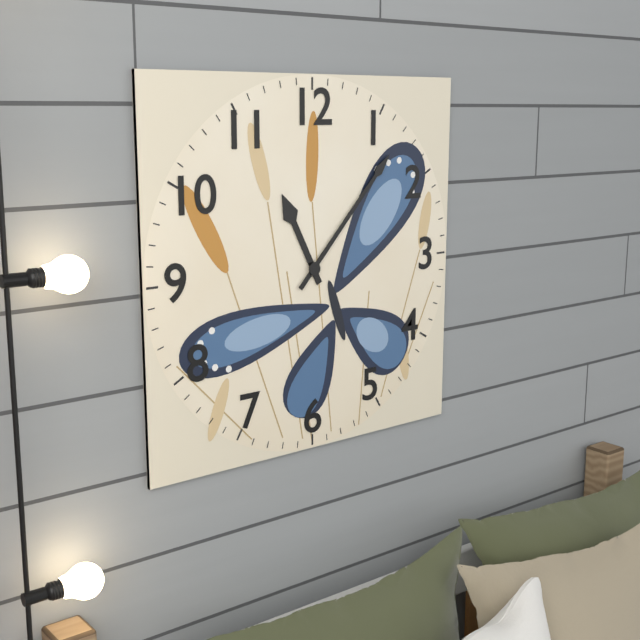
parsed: **11:07**
